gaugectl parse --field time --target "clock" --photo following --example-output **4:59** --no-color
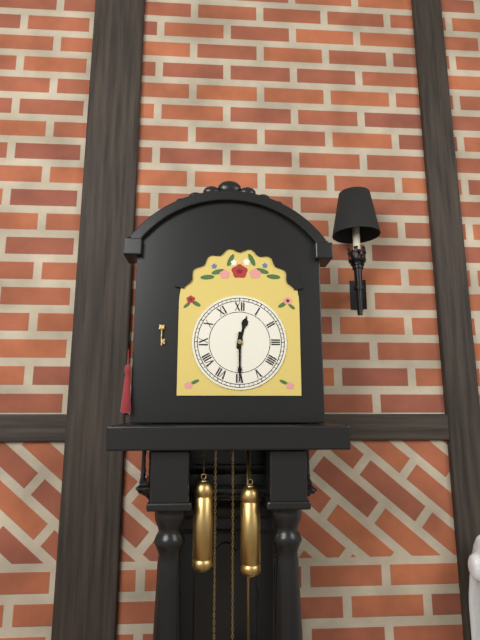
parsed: **12:30**
